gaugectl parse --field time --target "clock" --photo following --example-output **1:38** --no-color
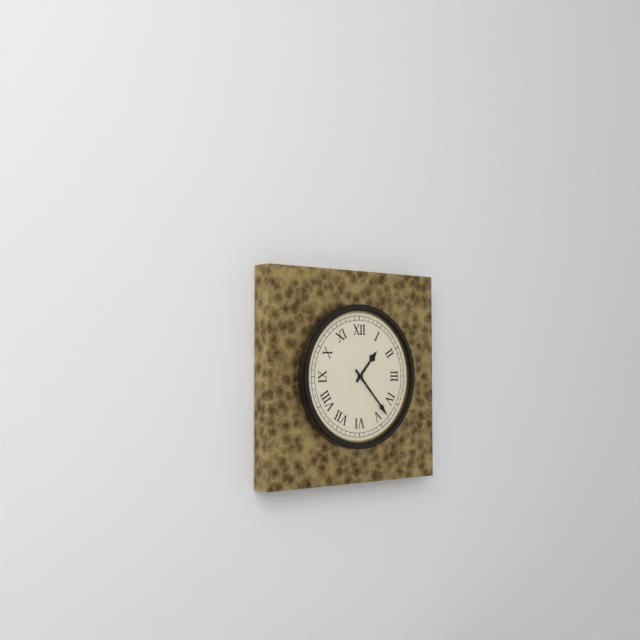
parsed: **1:23**
